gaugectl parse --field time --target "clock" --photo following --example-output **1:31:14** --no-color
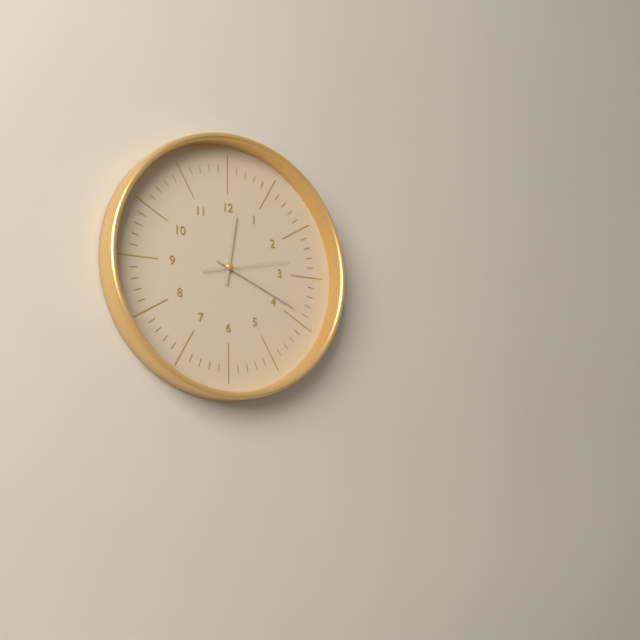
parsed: **12:19:13**
